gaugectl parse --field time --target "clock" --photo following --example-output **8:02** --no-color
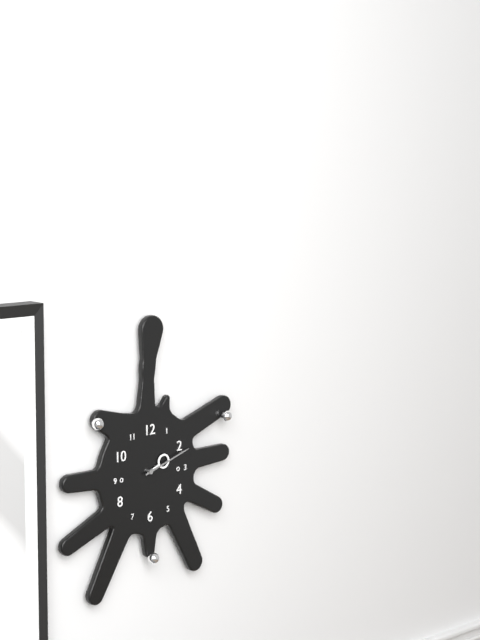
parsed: **2:12**
